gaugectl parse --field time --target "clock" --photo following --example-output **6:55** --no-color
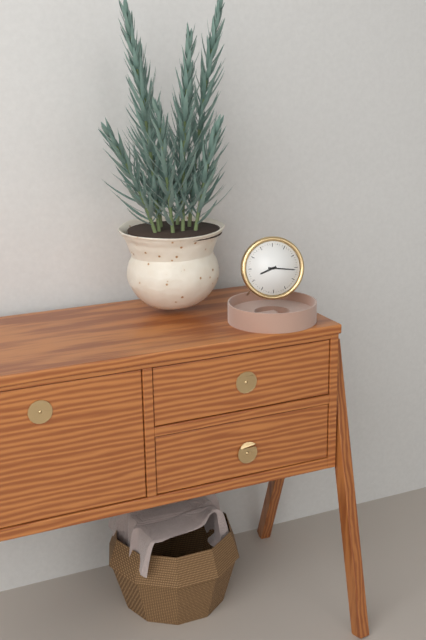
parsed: **8:16**
